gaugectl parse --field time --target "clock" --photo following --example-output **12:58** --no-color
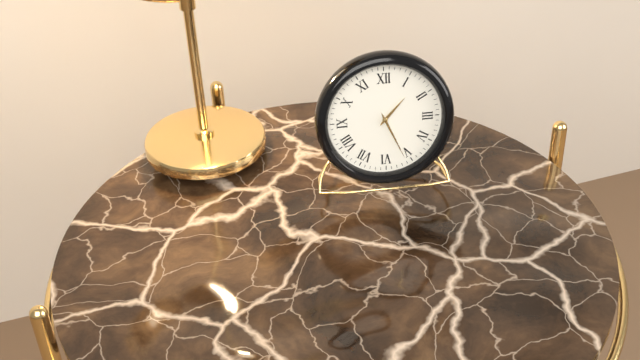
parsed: **1:26**
